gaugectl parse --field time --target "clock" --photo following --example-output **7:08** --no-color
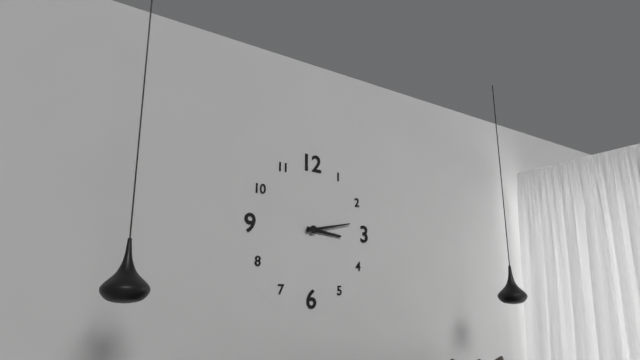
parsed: **3:13**
